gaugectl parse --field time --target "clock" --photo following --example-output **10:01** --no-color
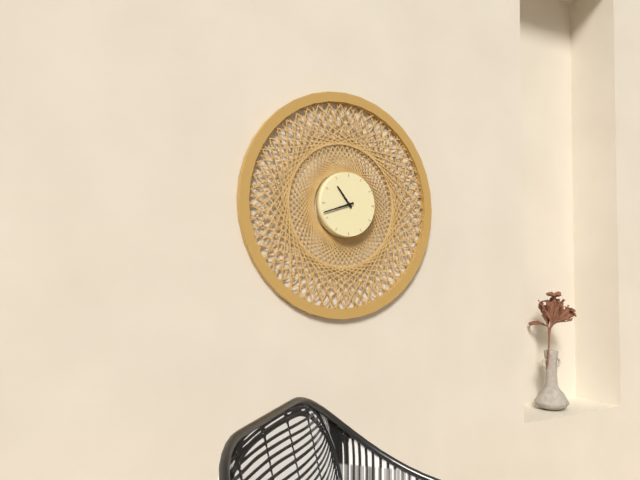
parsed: **10:42**
